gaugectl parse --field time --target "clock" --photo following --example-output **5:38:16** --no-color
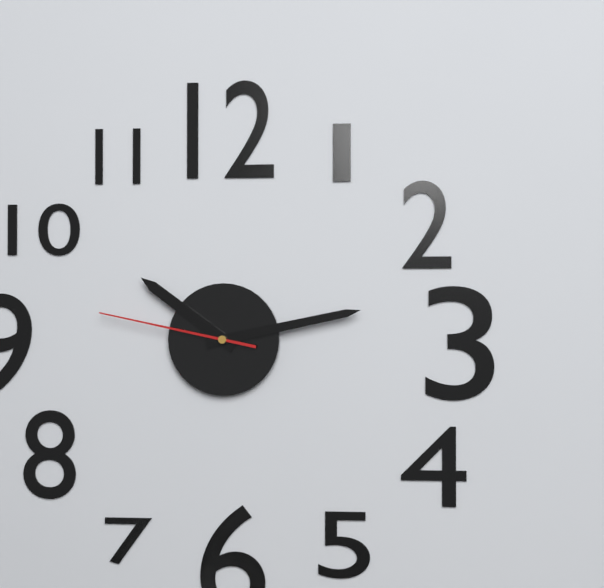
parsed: **10:13:47**
